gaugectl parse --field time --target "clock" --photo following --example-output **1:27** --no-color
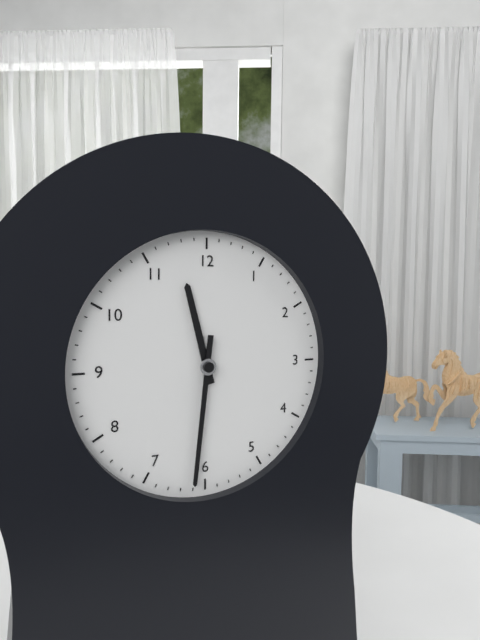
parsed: **11:31**
